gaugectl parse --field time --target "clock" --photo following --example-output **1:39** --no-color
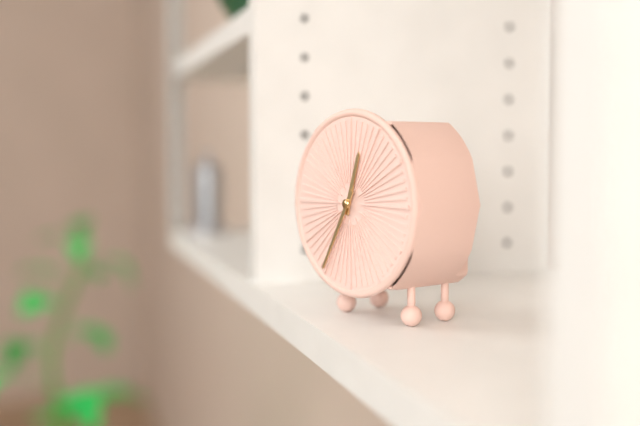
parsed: **12:35**
